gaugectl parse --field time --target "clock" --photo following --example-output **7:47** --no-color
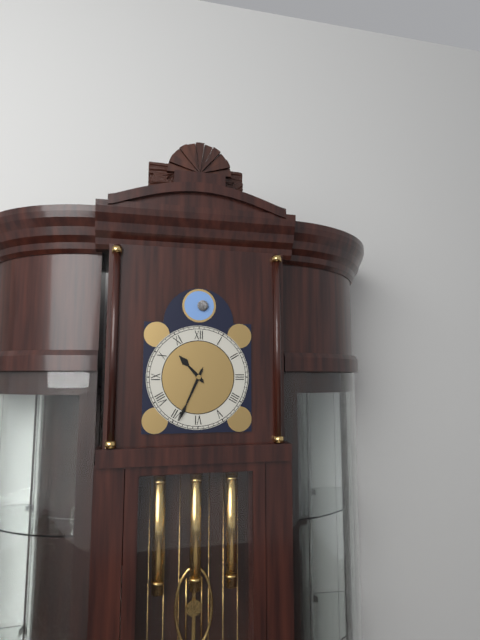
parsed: **10:34**
